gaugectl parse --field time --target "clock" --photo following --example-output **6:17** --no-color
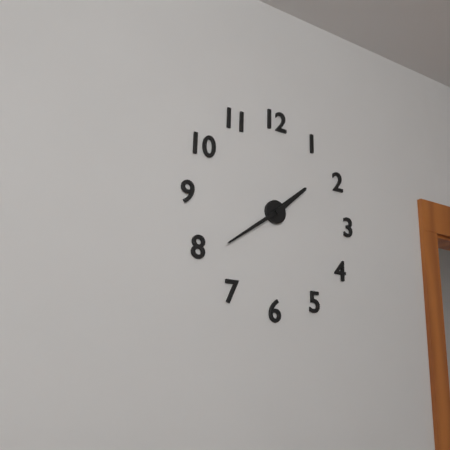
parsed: **1:39**
